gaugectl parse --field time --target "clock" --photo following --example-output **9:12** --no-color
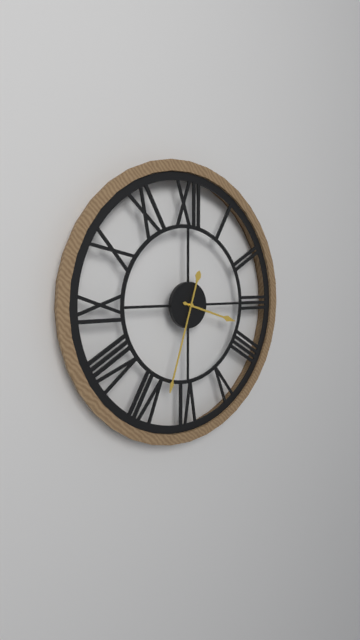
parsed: **3:33**
